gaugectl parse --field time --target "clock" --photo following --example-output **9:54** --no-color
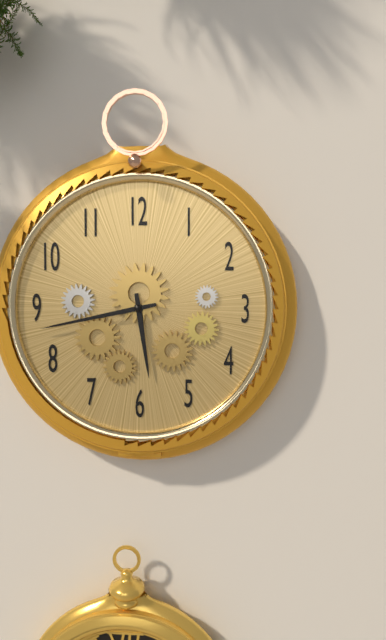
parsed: **5:43**
